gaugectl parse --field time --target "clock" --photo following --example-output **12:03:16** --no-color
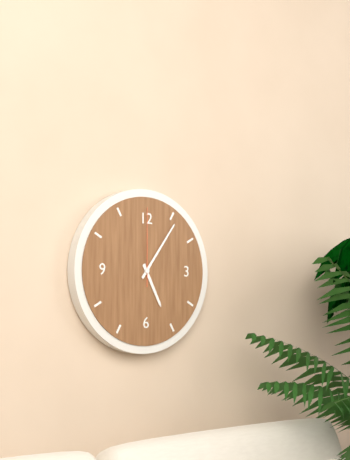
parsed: **5:06:00**
